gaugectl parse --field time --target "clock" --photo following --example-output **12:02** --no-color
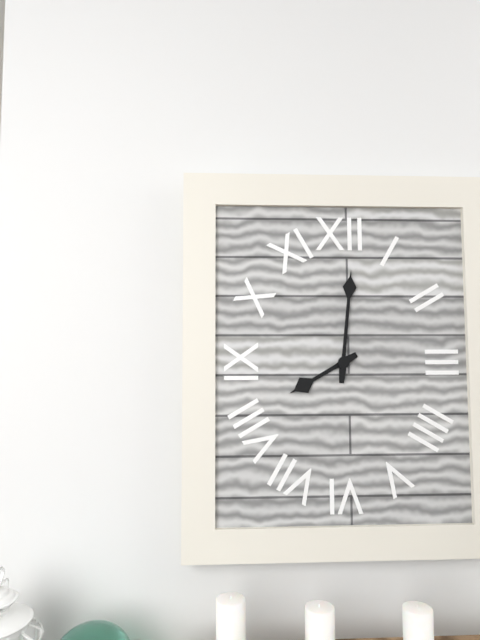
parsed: **8:01**
